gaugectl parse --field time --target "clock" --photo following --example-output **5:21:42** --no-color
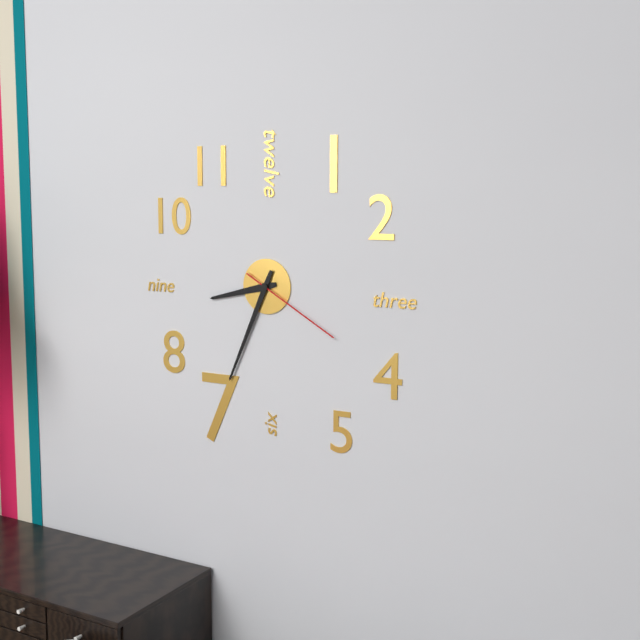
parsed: **8:34:20**
